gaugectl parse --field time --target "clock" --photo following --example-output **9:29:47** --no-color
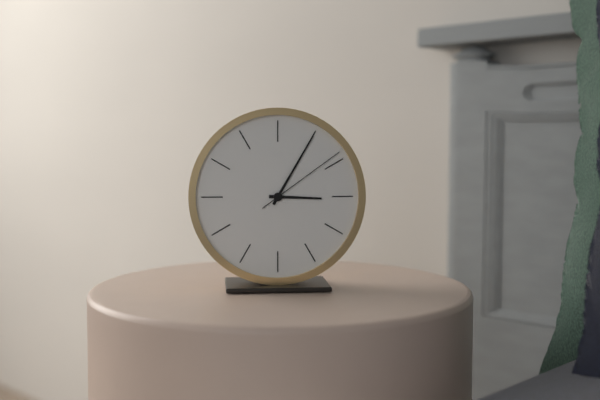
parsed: **3:05:09**
